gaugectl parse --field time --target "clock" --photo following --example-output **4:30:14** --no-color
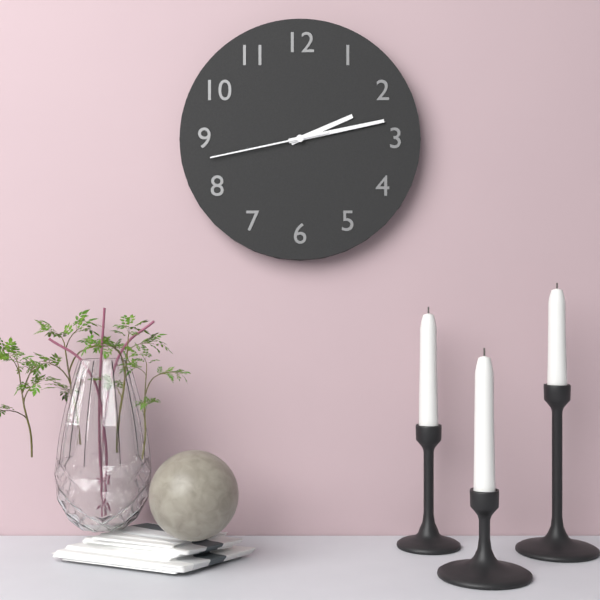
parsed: **2:13:43**
